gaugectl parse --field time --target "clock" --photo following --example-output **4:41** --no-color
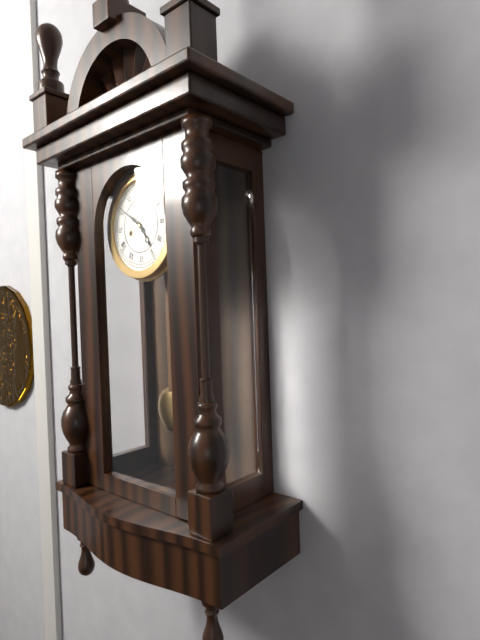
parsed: **4:51**
